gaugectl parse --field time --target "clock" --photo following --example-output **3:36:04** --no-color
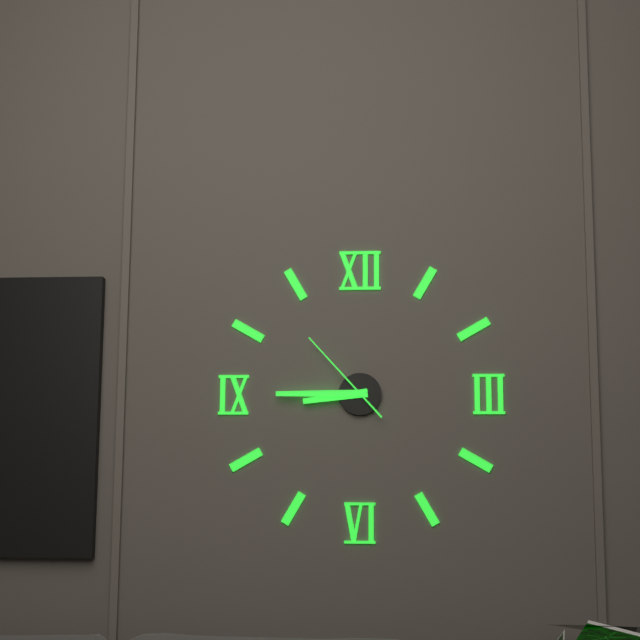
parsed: **8:45:53**
